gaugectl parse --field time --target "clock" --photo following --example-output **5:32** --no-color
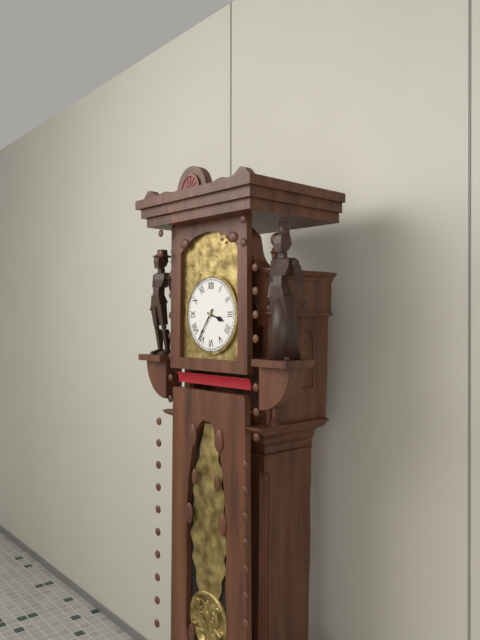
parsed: **3:36**
